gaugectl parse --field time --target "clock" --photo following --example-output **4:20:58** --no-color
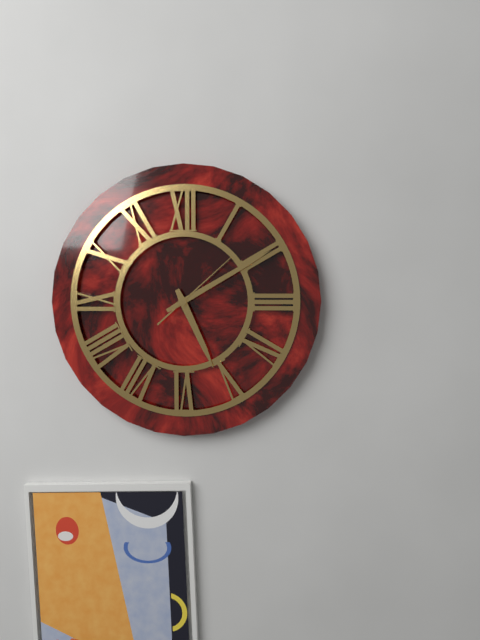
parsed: **5:10:08**
